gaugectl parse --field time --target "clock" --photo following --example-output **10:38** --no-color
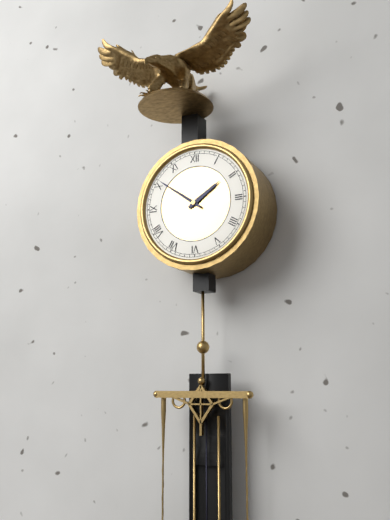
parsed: **1:51**
